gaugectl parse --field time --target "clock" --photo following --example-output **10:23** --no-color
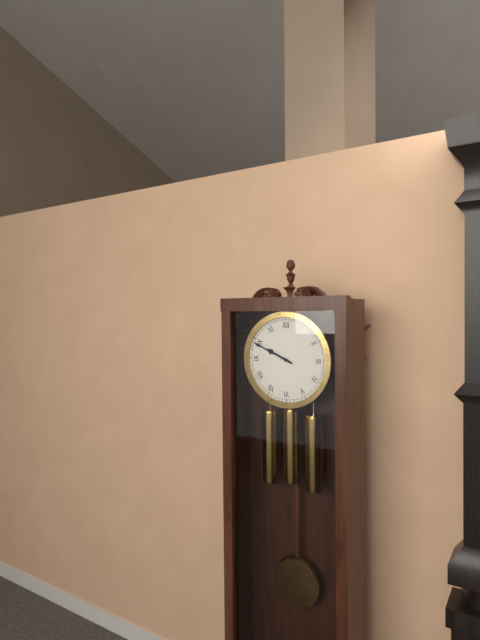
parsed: **9:49**
